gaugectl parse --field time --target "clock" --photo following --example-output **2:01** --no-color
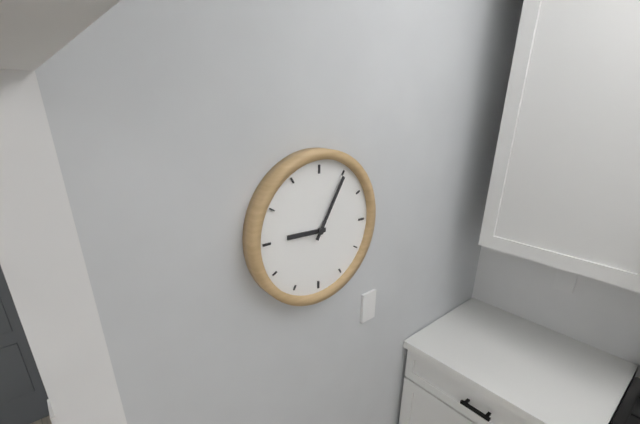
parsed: **9:05**
